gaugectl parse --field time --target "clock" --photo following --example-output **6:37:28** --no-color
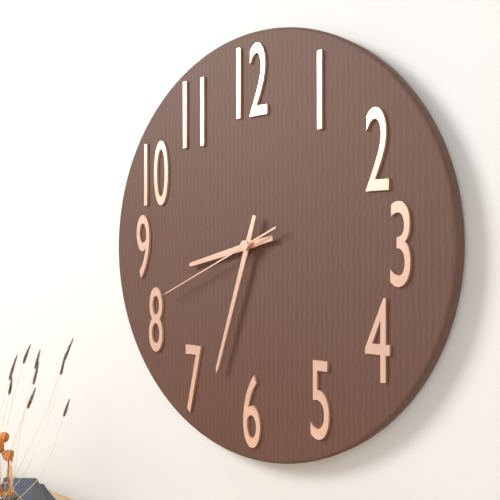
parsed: **8:33:41**
